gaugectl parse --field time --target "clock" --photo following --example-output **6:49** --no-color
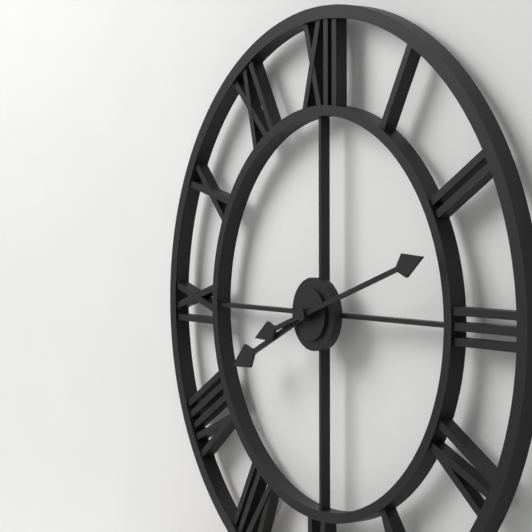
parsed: **8:12**
